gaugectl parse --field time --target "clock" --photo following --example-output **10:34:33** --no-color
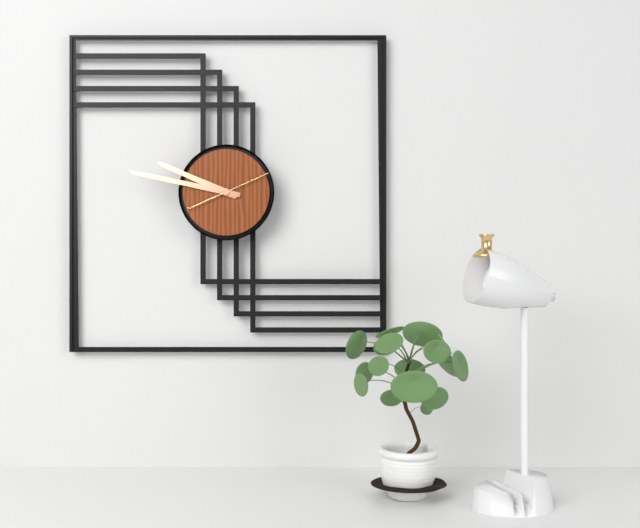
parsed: **9:47:11**
